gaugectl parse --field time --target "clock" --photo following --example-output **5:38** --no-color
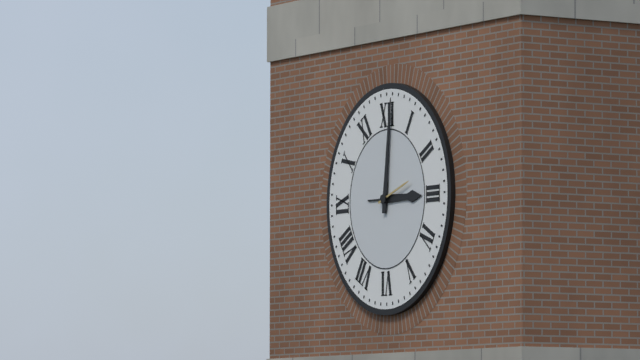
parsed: **3:01**
